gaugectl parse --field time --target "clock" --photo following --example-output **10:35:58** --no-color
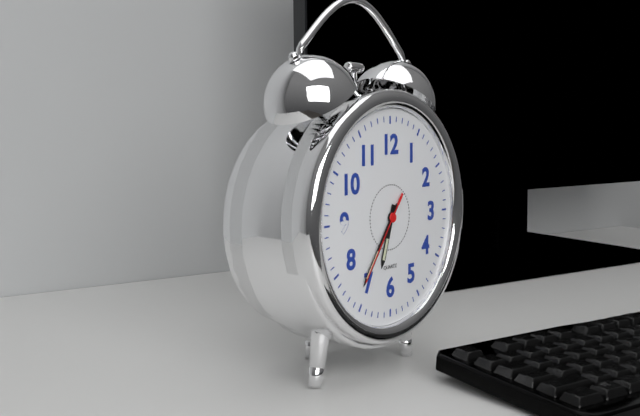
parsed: **6:36:36**
